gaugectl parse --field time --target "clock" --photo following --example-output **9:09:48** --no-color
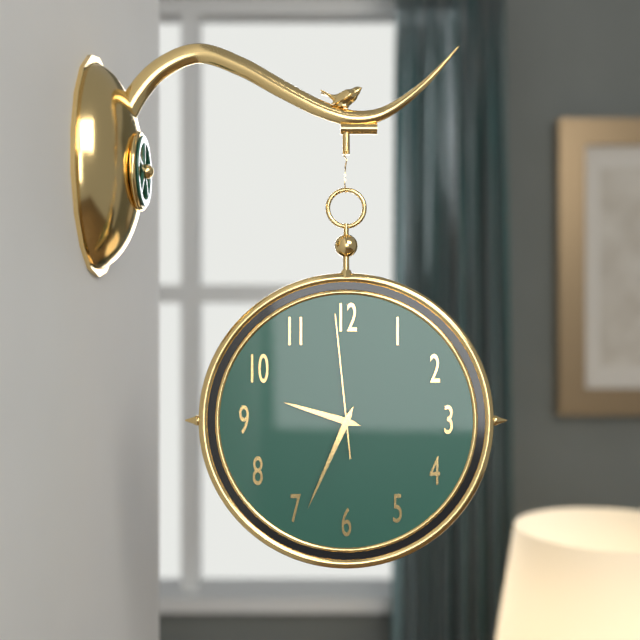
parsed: **9:34:59**
